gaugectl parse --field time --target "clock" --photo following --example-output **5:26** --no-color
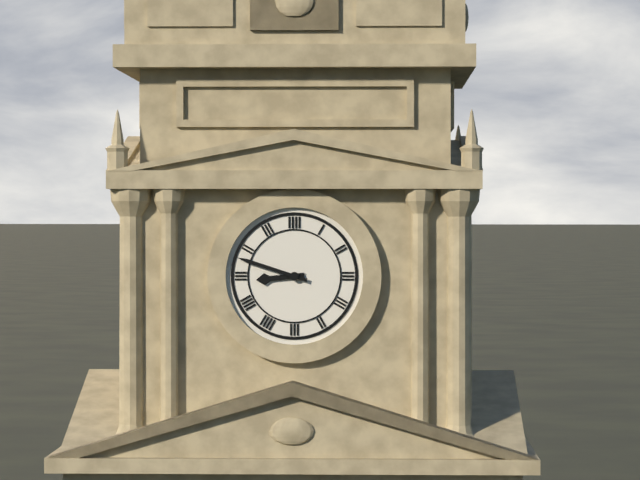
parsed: **8:48**
